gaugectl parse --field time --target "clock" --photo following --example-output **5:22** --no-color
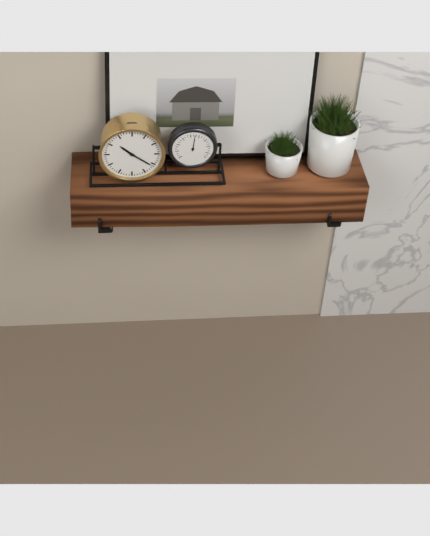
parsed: **10:21**
